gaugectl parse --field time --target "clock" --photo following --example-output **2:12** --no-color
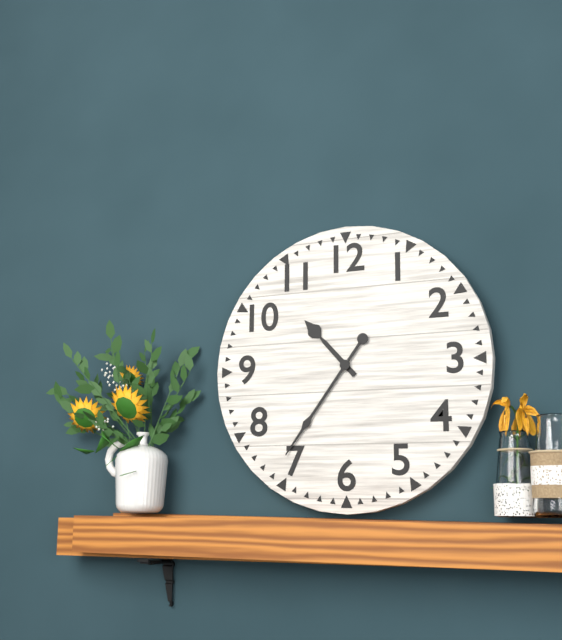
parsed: **10:36**
